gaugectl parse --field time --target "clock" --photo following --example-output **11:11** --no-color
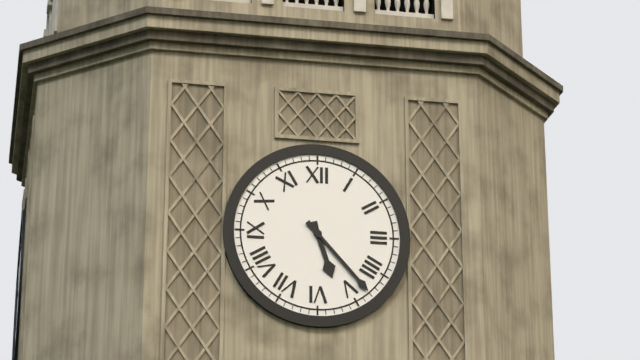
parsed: **5:23**
